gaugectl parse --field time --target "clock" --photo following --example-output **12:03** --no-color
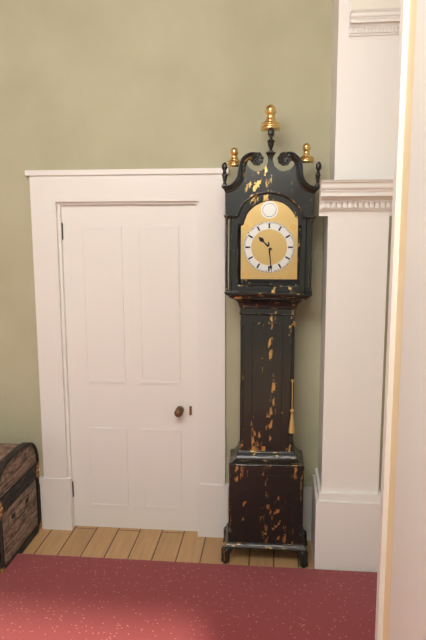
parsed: **10:29**
